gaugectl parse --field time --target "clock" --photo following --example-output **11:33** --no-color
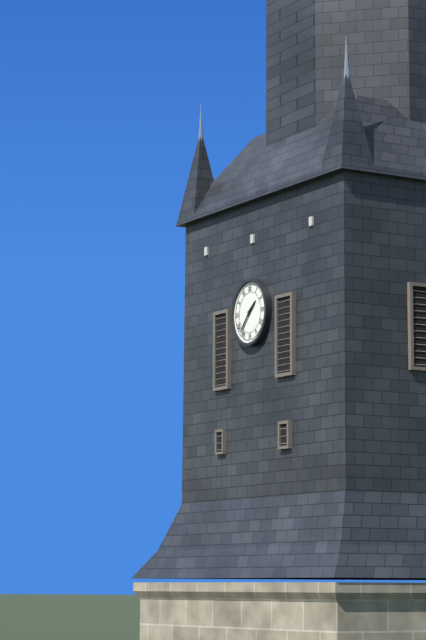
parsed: **1:37**
